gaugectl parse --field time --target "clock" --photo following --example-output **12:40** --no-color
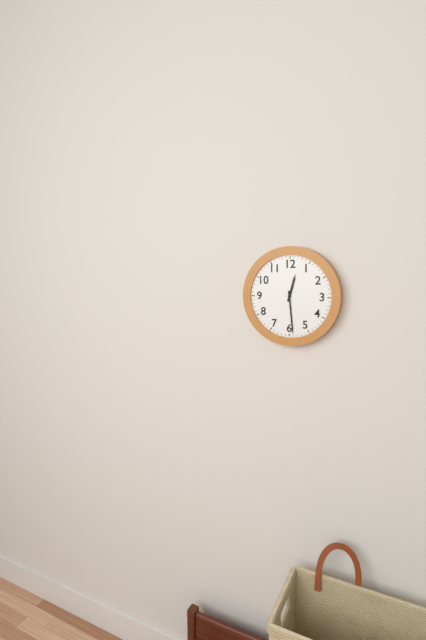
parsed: **12:29**
